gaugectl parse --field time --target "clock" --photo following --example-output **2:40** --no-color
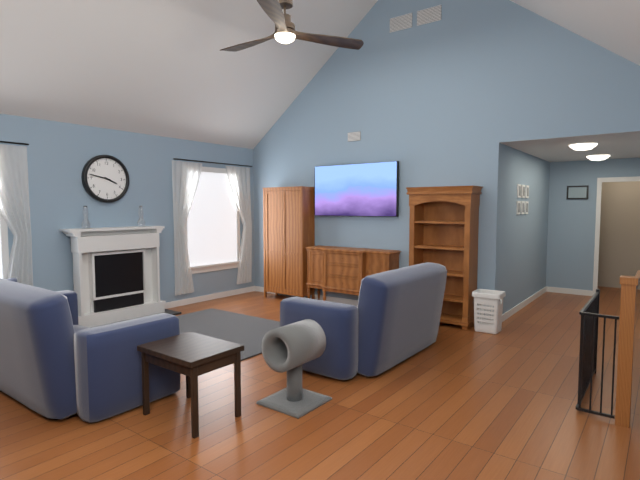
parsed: **3:47**
